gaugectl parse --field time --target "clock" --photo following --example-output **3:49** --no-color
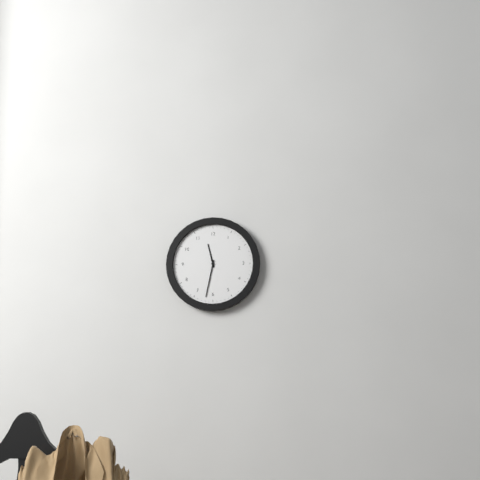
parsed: **11:32**
